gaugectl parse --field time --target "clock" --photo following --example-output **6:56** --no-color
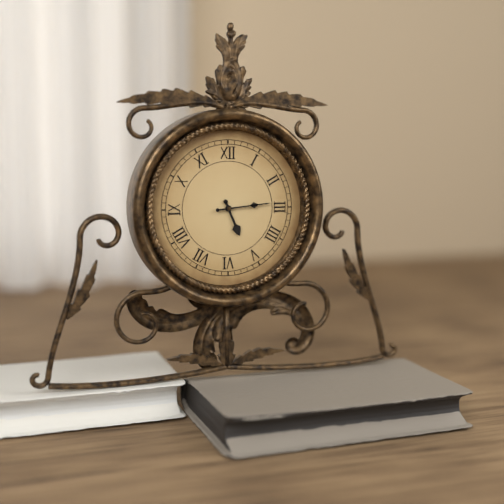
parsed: **5:14**
